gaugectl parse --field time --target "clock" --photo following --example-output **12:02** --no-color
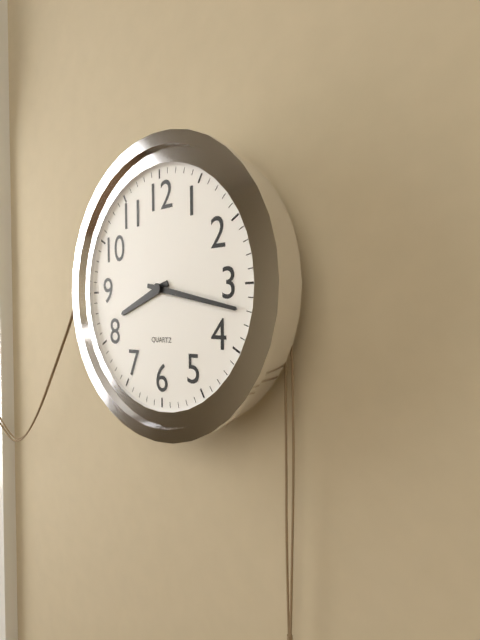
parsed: **8:17**
